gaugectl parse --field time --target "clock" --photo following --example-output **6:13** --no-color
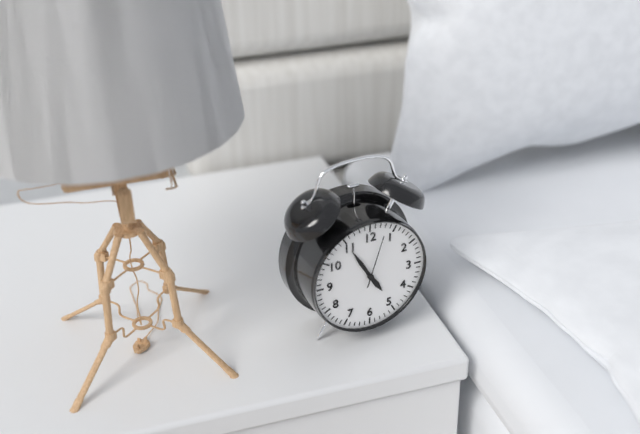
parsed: **4:55**
